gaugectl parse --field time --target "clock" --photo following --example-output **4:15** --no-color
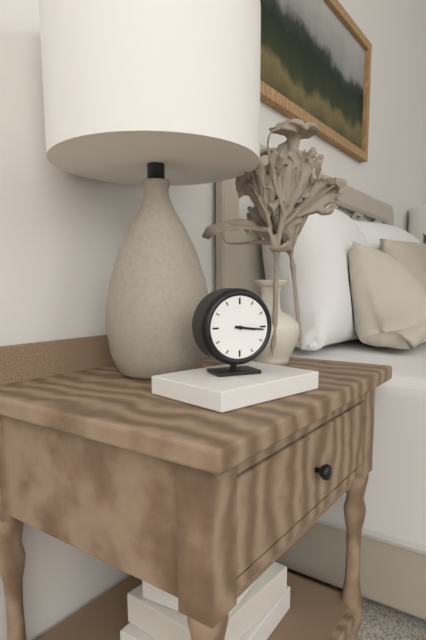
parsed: **3:16**
